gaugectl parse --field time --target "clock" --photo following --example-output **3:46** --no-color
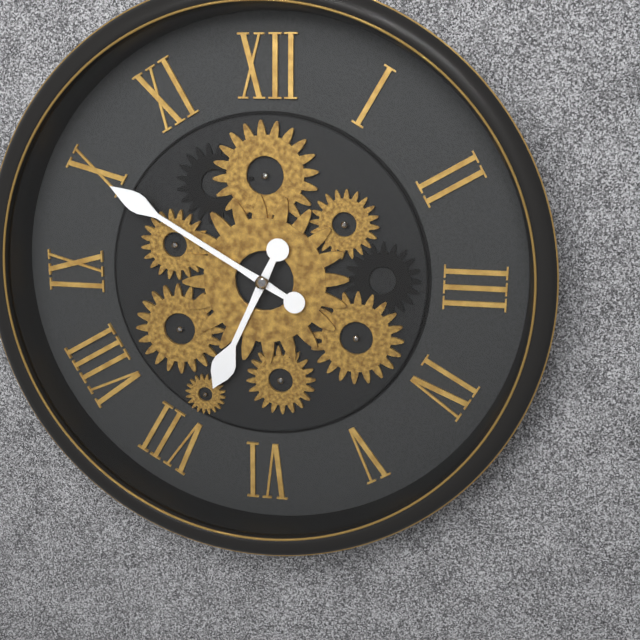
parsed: **6:50**
